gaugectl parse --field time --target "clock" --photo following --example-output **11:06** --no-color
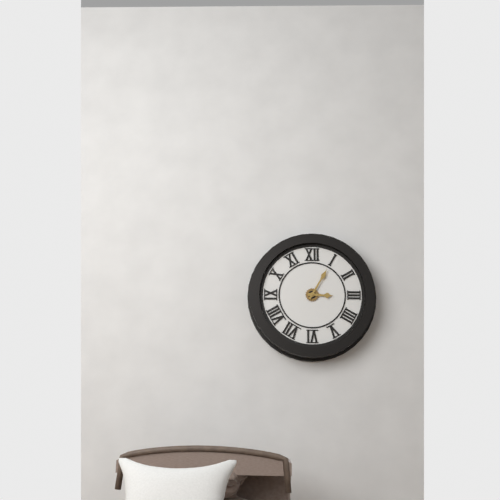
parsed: **3:05**
